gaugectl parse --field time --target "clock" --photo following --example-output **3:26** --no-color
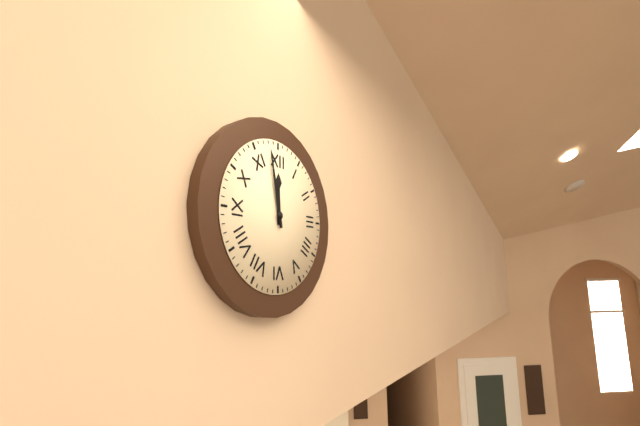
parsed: **11:58**
